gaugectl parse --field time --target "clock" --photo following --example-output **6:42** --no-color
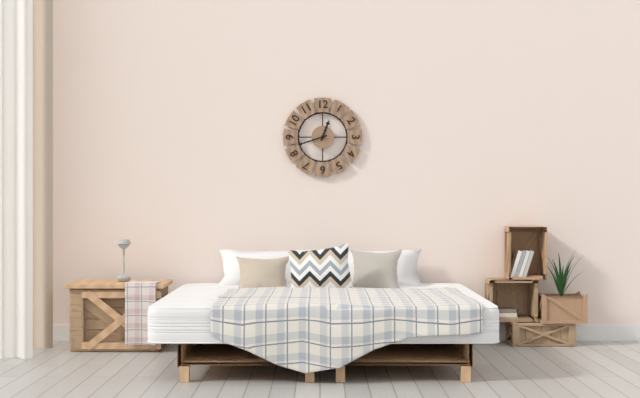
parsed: **12:42**
